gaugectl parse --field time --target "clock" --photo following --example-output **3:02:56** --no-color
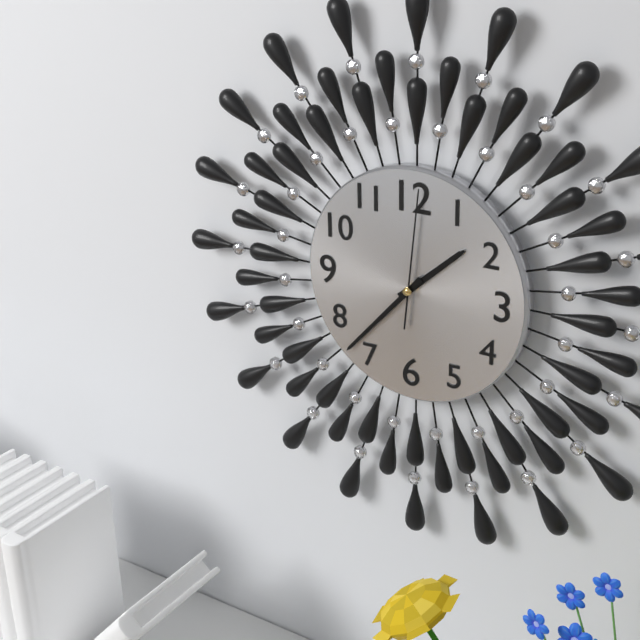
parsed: **1:37:01**
